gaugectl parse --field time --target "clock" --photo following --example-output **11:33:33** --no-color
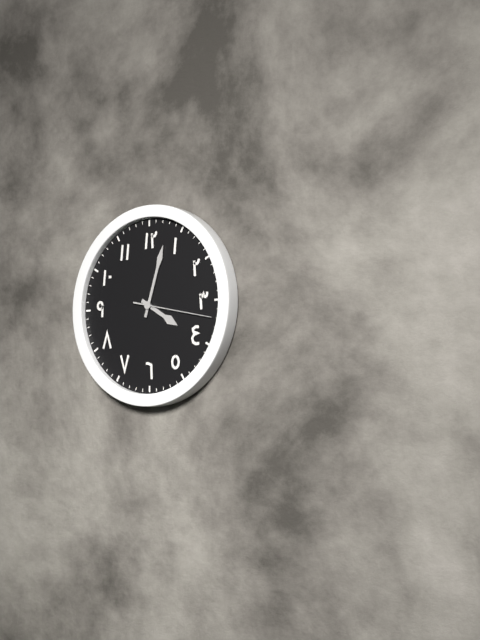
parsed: **4:03:17**
